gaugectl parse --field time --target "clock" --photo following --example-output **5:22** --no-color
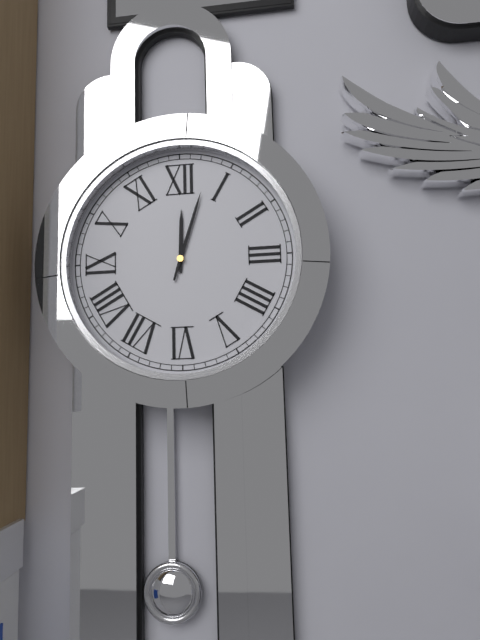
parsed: **12:03**
